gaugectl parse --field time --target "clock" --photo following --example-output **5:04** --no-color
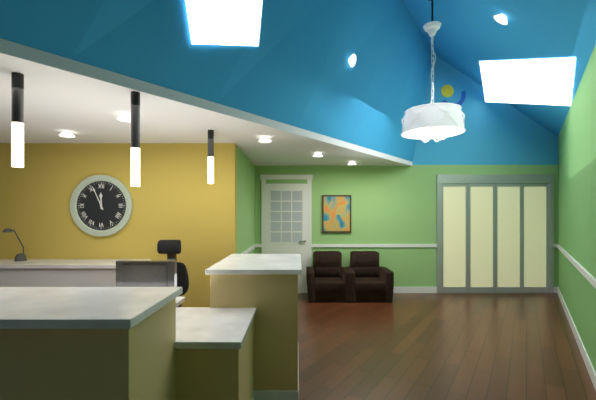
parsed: **11:56**
